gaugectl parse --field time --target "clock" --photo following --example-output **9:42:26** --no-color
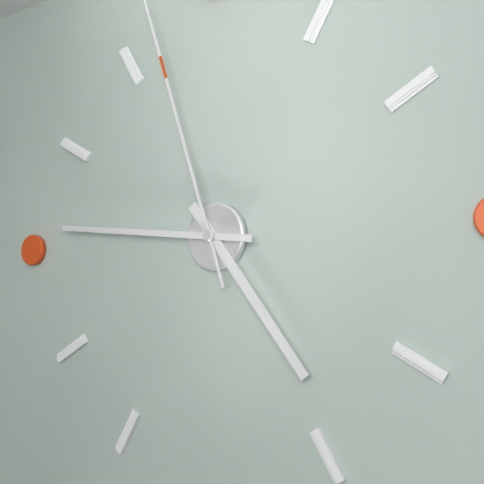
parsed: **4:46:57**
